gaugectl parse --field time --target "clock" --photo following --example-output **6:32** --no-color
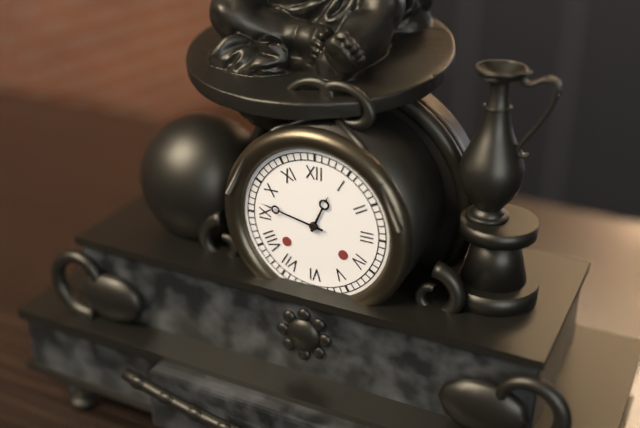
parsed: **12:47**
